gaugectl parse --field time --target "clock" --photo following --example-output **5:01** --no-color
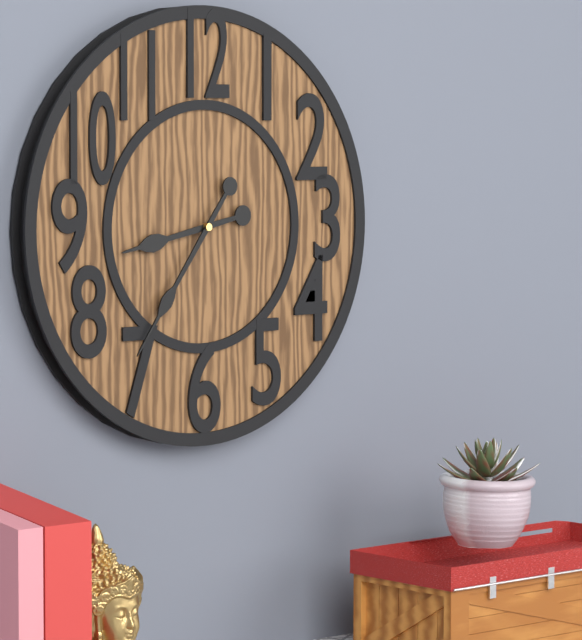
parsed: **8:36**
